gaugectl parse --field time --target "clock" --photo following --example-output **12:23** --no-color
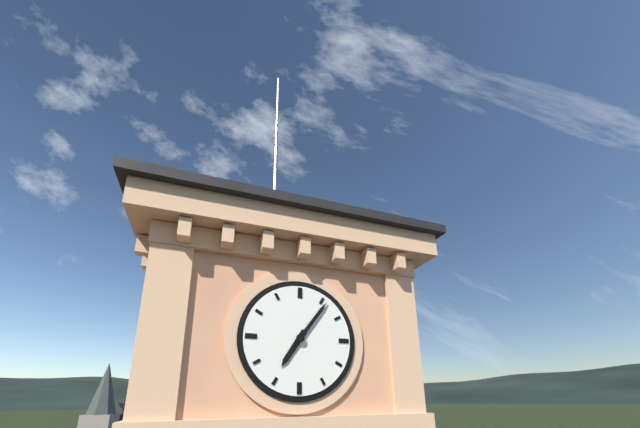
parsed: **7:06**
